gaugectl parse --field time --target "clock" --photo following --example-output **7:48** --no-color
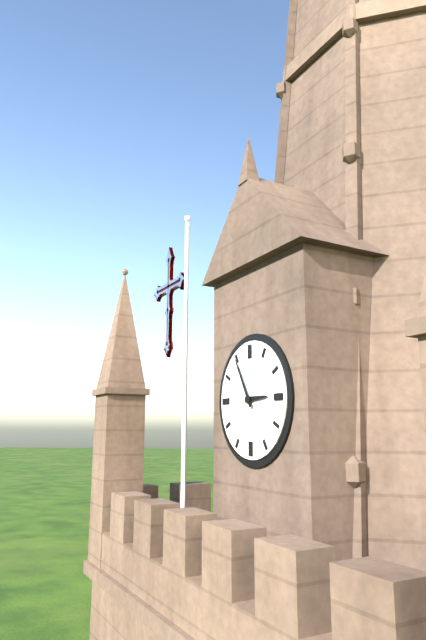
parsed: **2:55**
